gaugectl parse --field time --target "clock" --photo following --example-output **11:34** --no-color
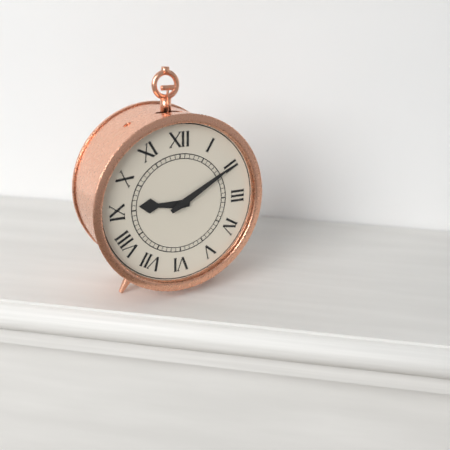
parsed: **9:10**
